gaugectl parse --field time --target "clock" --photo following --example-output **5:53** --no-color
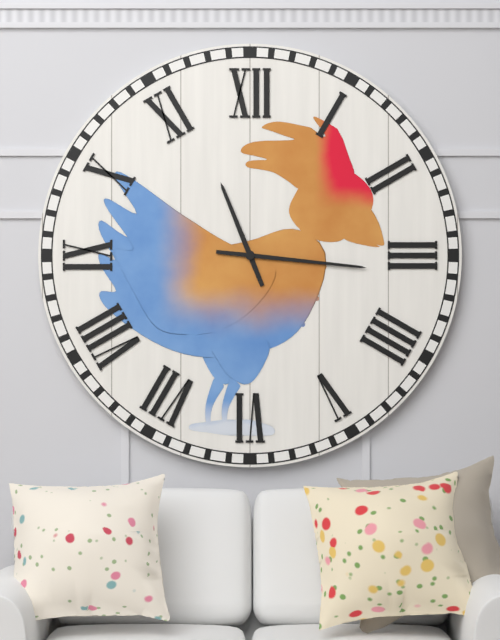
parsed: **11:16**
